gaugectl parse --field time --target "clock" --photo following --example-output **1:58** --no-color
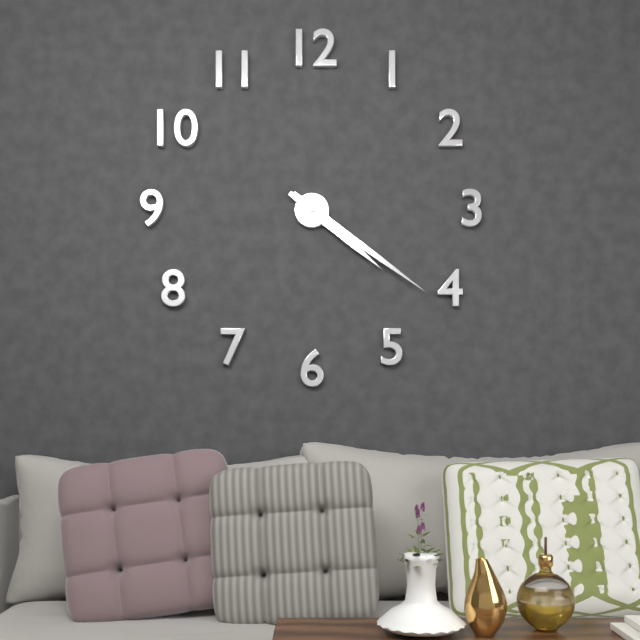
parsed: **4:21**
